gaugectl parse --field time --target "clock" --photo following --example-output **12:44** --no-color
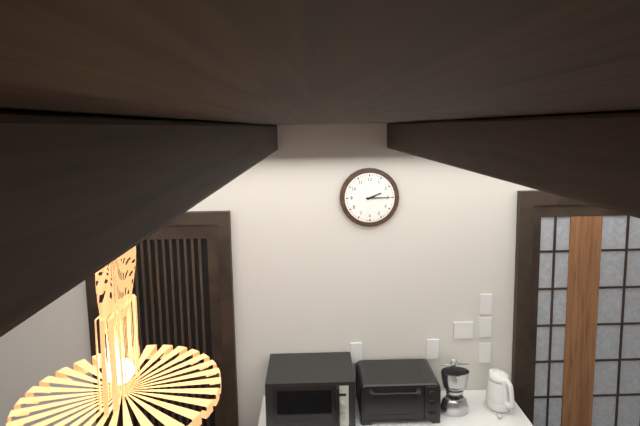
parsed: **2:15**
